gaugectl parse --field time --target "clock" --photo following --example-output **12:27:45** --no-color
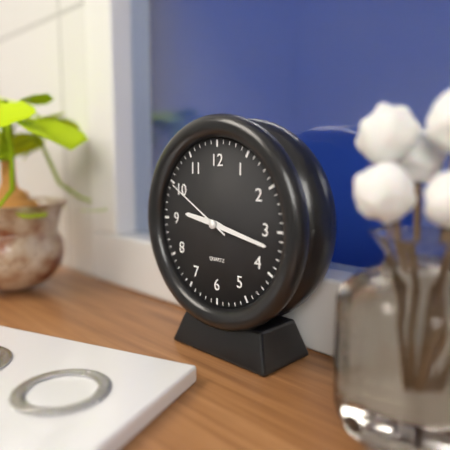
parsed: **9:17:50**
